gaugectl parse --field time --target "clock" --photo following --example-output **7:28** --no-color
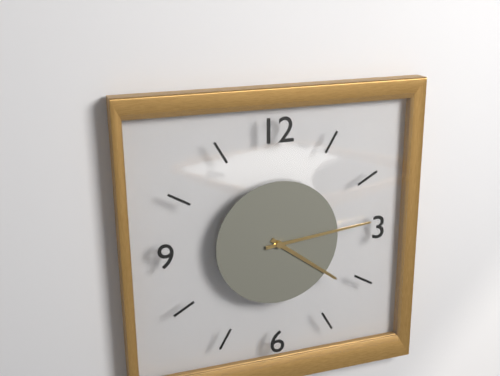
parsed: **4:14**
